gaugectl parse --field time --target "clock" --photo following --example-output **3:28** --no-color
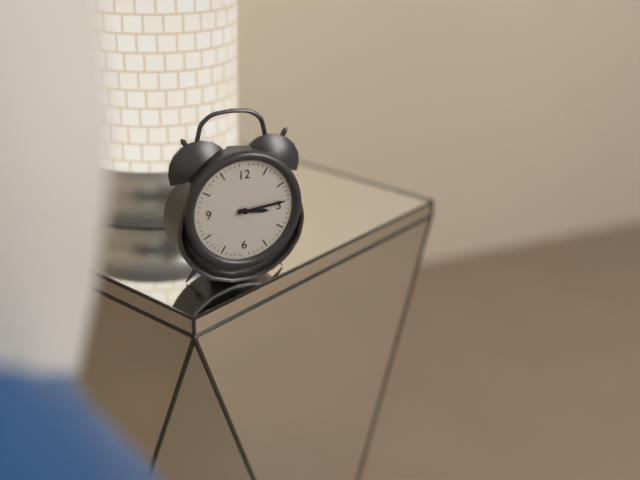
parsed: **3:14**
